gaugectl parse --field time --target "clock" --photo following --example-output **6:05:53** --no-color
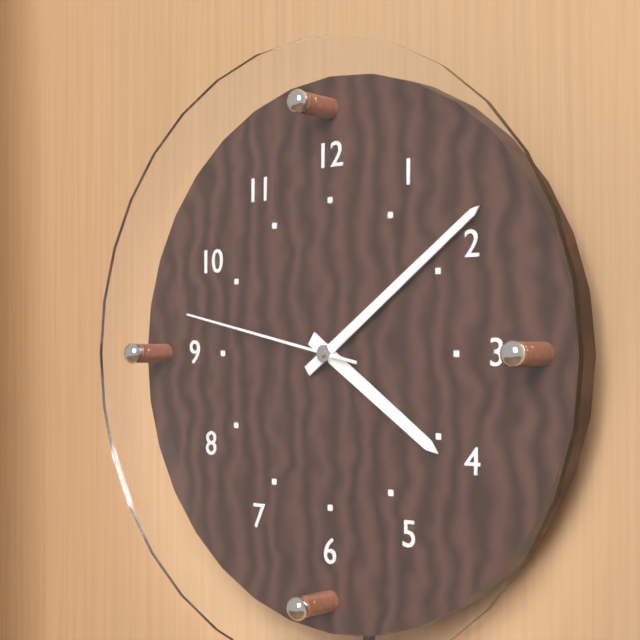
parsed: **4:09:47**
